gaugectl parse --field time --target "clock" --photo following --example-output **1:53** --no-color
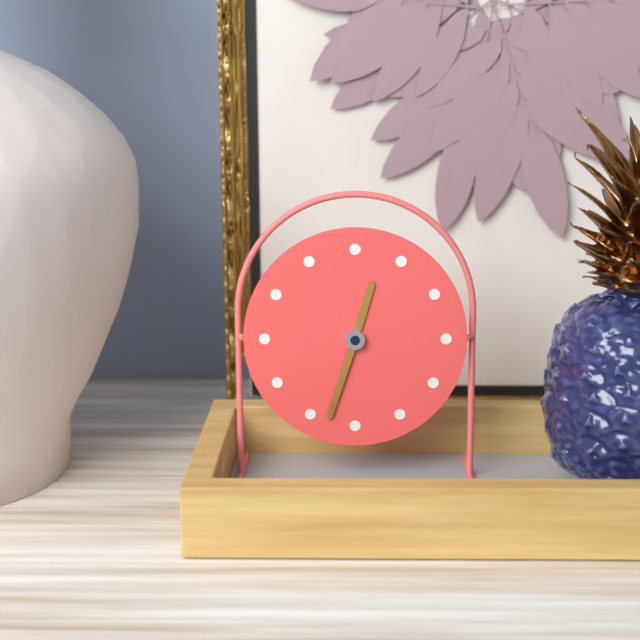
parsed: **12:33**
